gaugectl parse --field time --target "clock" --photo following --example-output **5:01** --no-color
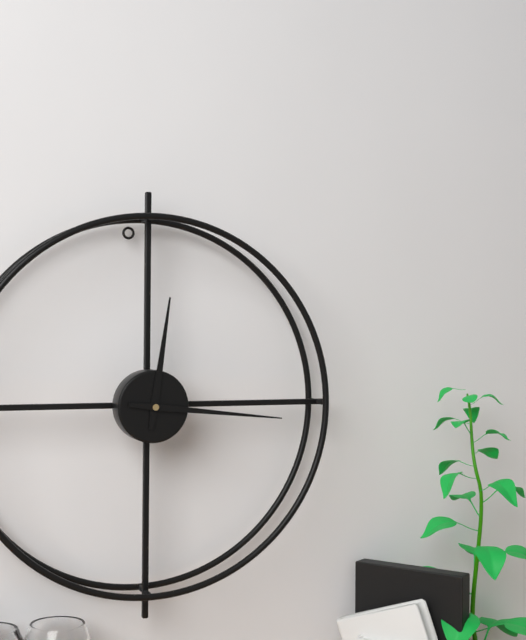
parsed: **12:16**
